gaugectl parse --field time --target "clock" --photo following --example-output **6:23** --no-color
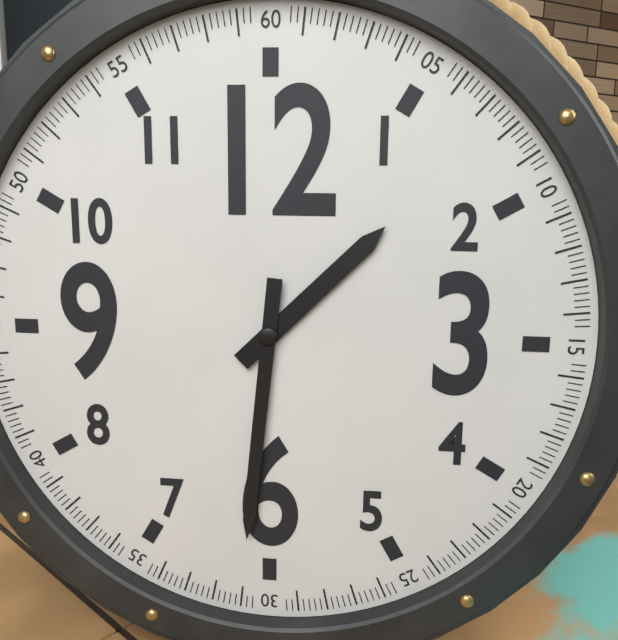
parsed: **1:31**
